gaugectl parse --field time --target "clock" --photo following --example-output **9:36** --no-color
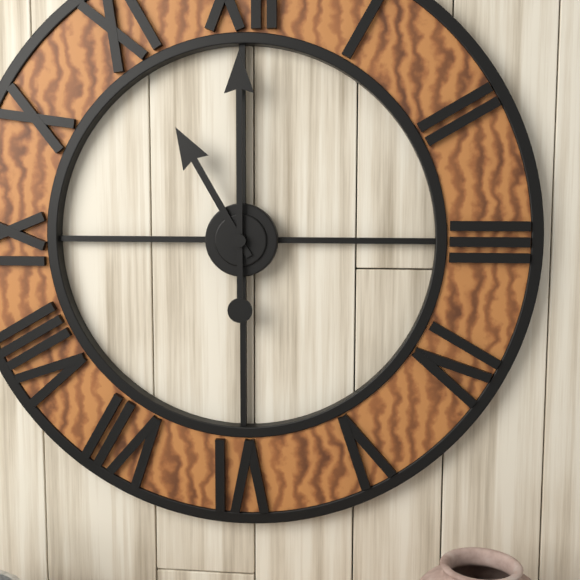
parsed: **11:00**
